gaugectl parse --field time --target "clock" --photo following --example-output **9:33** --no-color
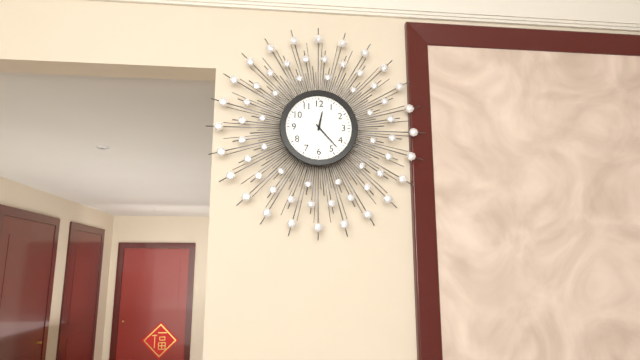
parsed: **12:23**
